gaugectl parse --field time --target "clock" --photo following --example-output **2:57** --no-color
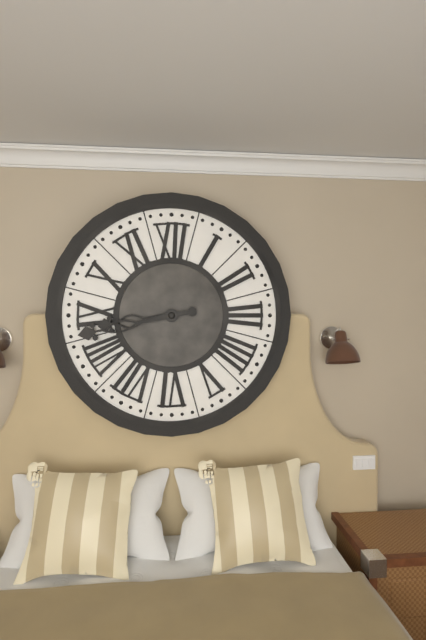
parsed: **8:43**
